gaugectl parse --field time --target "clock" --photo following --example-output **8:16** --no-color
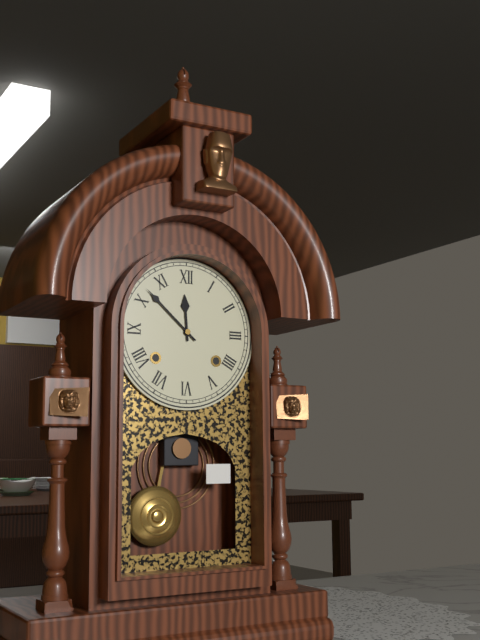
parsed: **11:52**
